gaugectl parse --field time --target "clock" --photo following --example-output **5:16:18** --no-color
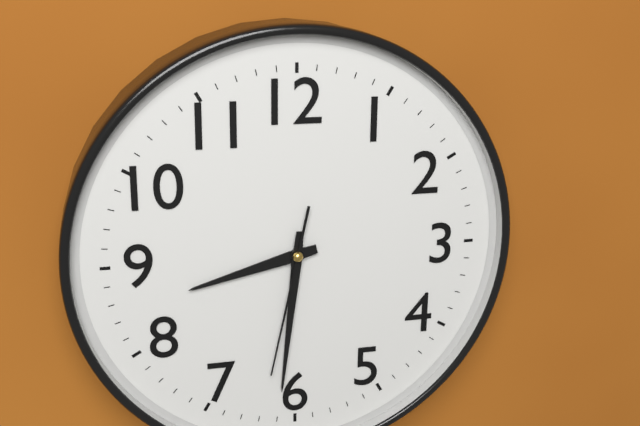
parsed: **8:31:32**
